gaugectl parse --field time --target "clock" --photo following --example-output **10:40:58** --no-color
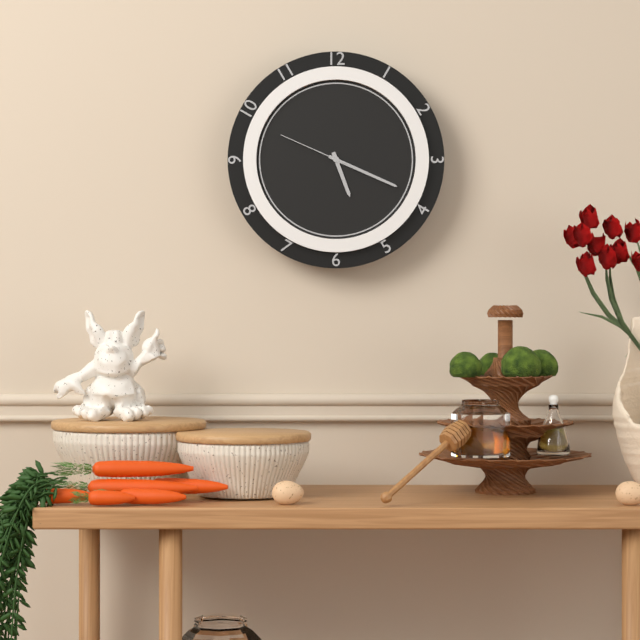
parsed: **5:19:49**
